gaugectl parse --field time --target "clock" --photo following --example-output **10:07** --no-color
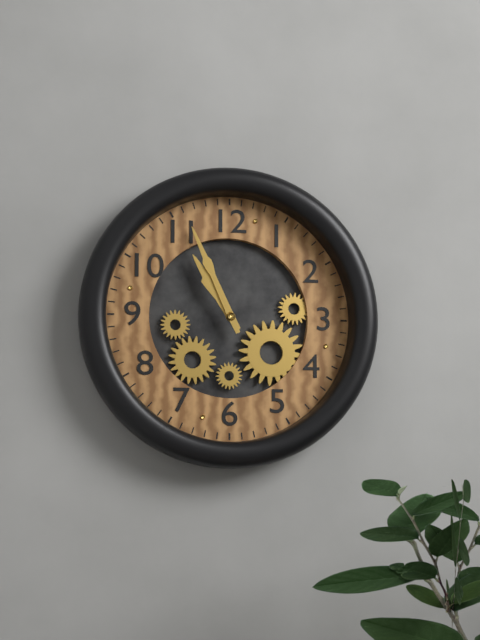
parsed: **10:56**
